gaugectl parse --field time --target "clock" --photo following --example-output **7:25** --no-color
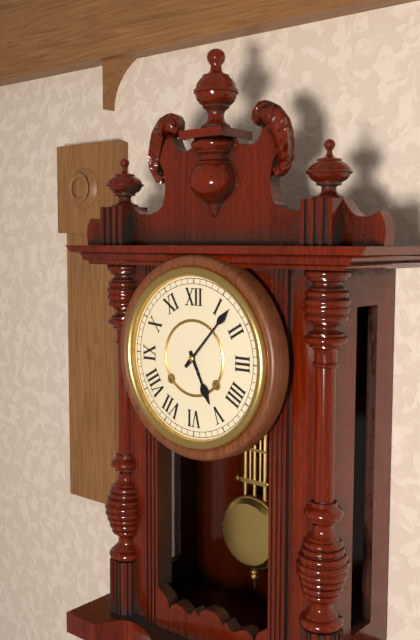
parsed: **5:07**
